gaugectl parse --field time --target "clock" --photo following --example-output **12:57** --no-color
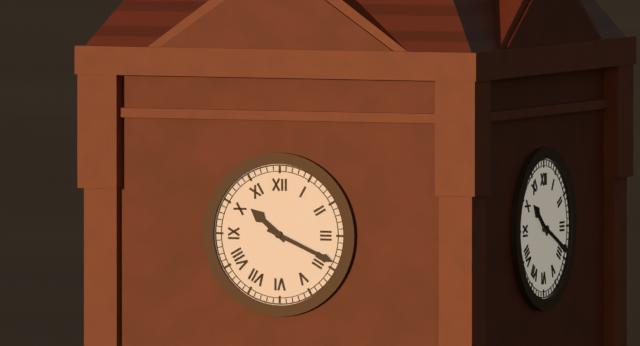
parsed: **10:19**
